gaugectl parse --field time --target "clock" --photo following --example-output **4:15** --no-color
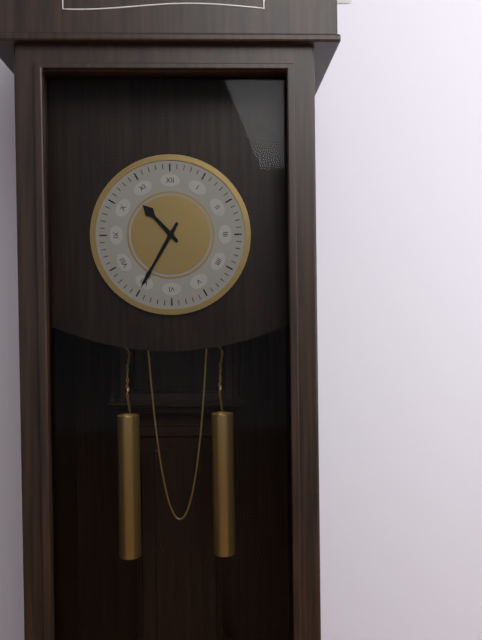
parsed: **10:35**
